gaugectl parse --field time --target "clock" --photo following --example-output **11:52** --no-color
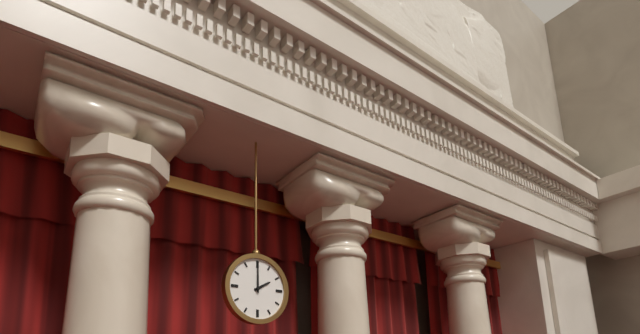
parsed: **2:00**
